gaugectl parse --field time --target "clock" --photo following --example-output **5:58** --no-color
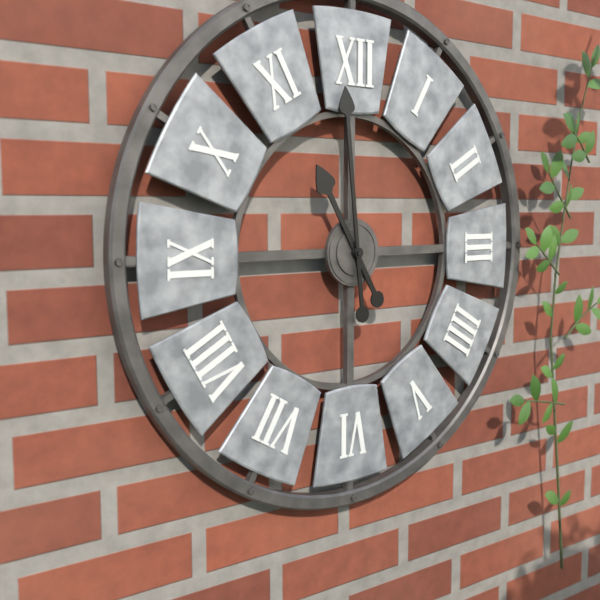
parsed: **10:59**
